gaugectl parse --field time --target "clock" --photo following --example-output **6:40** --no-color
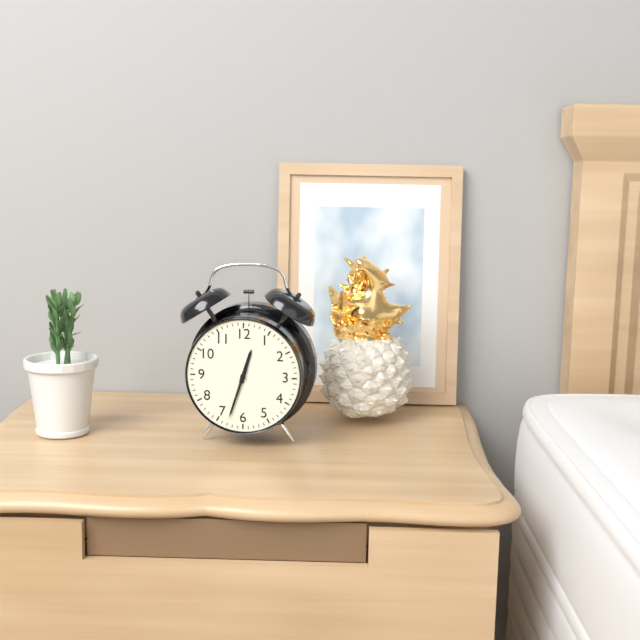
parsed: **12:33**
